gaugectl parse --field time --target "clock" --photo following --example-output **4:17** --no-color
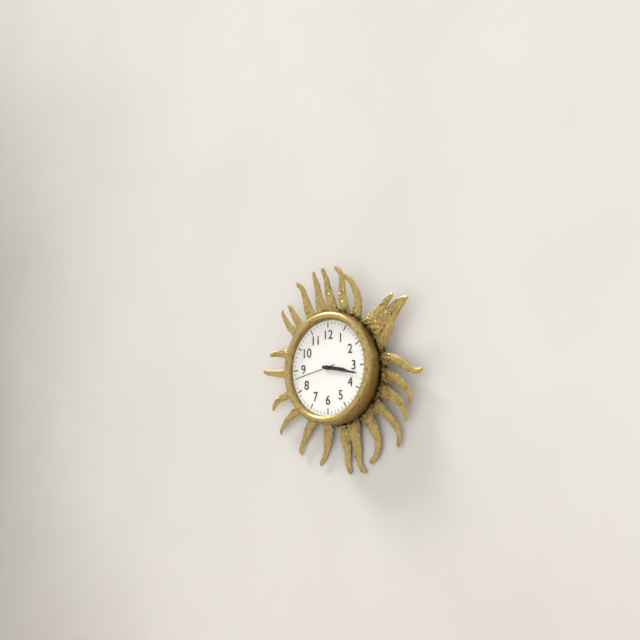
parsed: **3:17**
